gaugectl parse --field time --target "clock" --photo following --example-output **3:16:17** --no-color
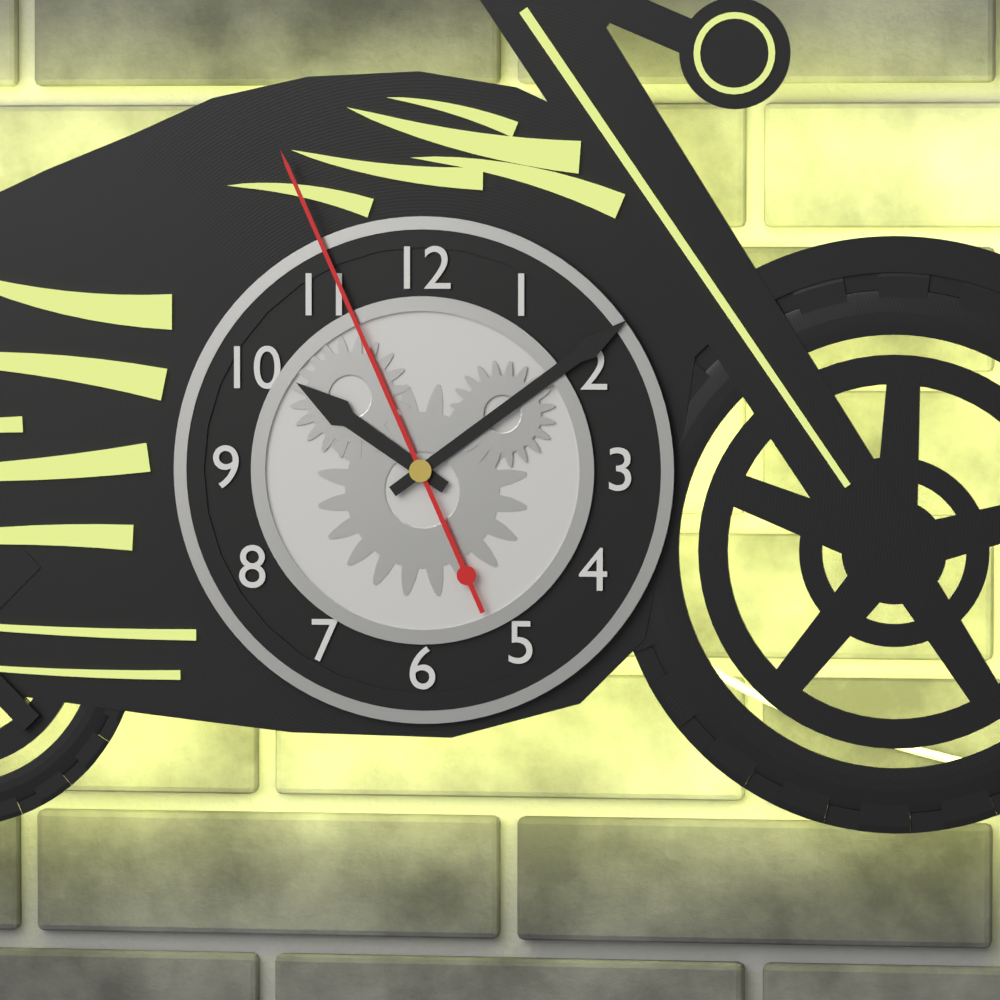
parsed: **10:09:56**
